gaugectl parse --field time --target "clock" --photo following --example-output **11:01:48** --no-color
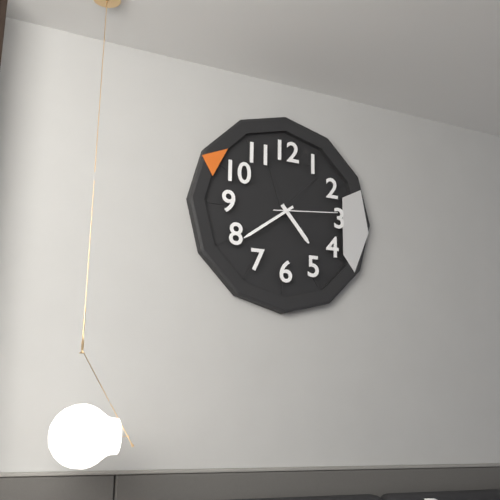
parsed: **4:39:14**
